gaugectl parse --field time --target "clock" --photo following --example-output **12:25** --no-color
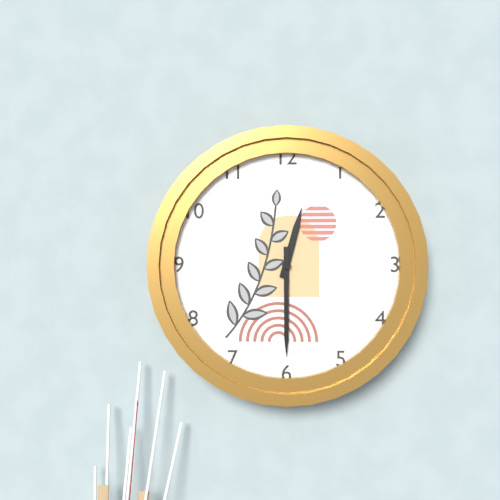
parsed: **12:30**
